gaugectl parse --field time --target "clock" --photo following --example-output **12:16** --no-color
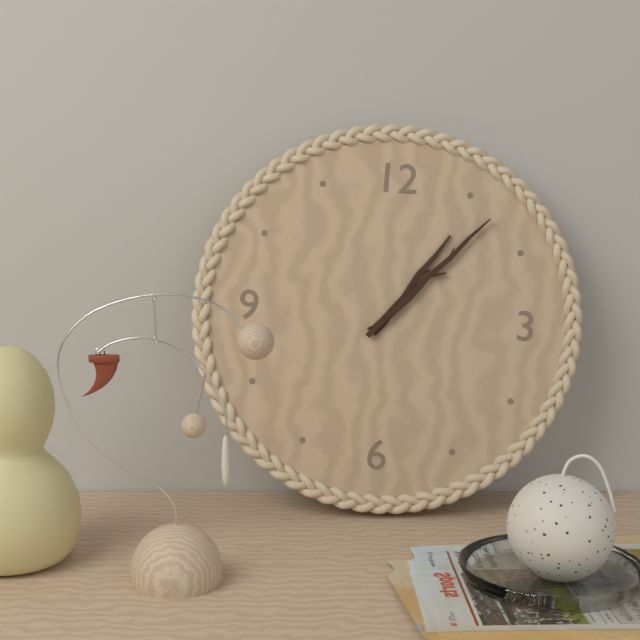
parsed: **1:07**
